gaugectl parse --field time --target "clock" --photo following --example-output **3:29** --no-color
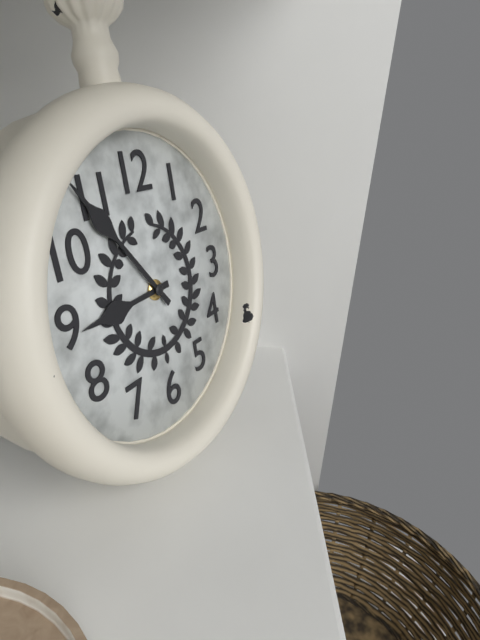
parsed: **8:54**
